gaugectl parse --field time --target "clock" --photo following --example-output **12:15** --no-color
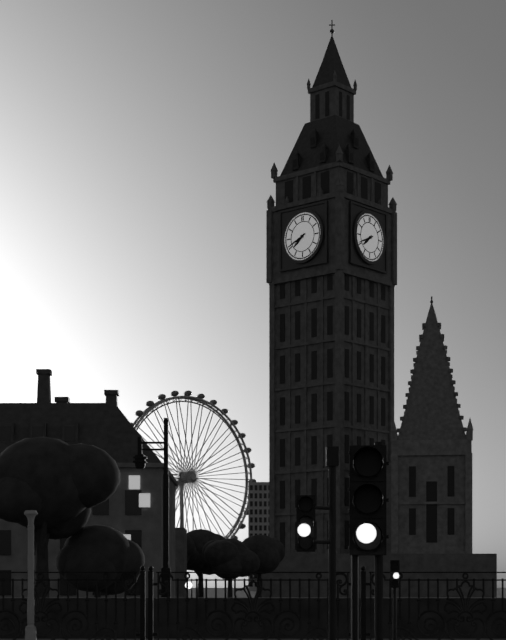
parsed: **7:41**
